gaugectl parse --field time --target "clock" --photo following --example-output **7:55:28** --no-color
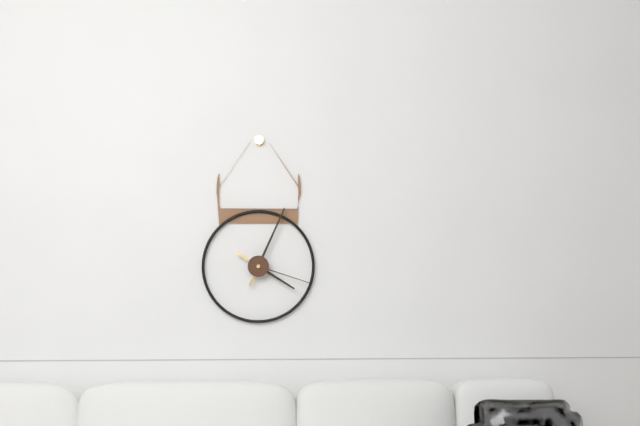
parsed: **4:04:18**
